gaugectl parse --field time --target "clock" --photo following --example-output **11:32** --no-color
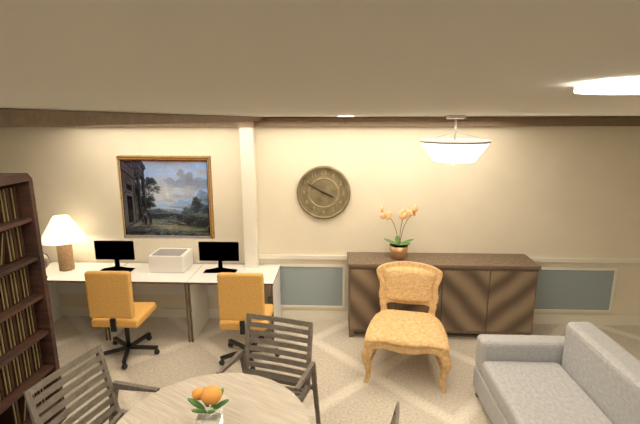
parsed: **3:50**
